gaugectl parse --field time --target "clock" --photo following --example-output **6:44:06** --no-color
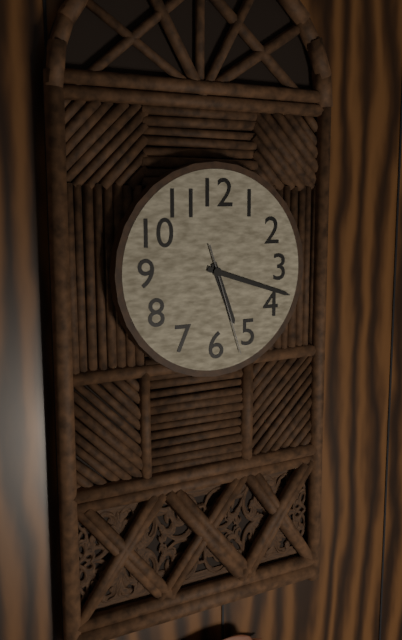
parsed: **5:18:27**
